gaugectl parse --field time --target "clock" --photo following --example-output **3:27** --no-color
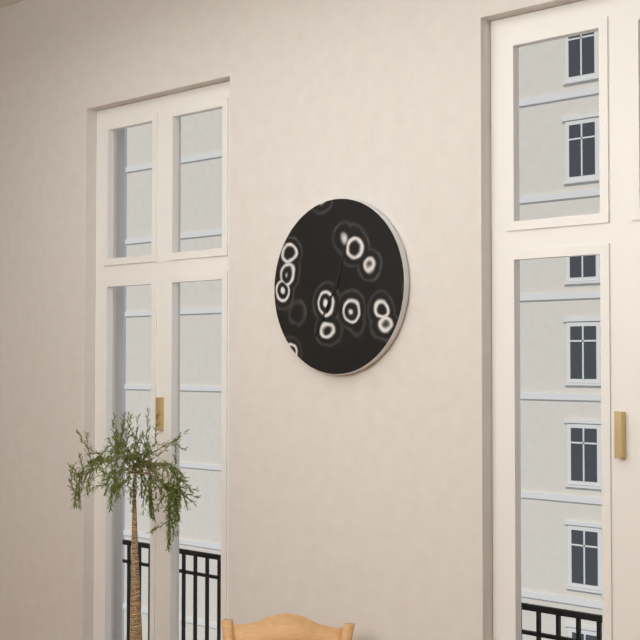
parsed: **12:35**
